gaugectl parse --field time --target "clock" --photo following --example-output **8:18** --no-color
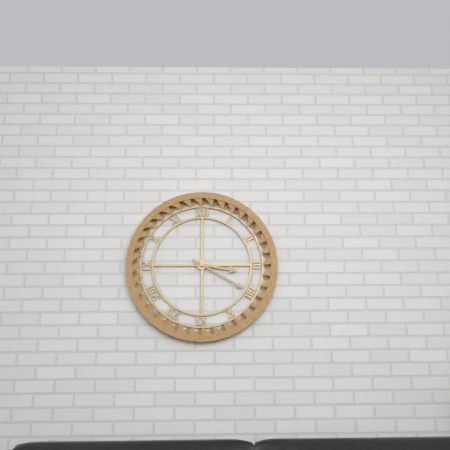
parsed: **3:20**
